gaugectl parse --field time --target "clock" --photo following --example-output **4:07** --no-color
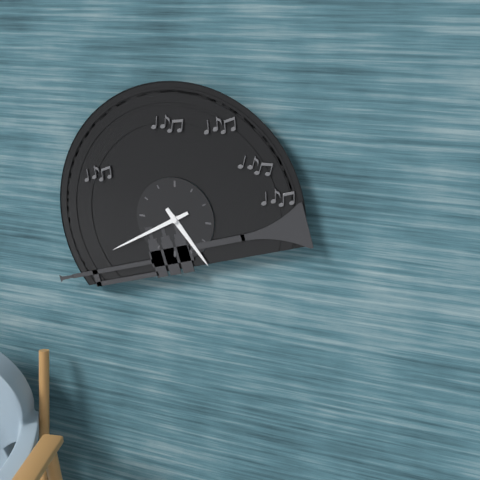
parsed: **4:40**
